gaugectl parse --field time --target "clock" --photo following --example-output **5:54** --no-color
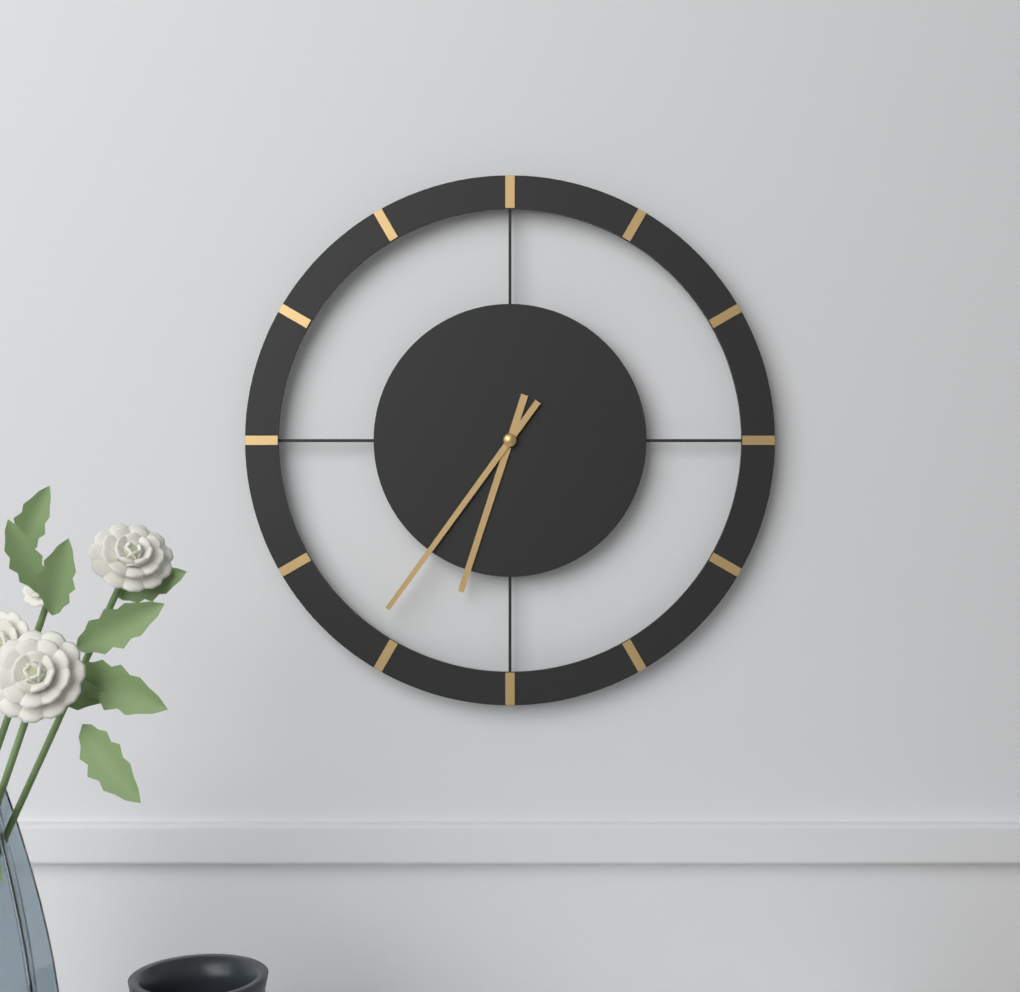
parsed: **6:36**
